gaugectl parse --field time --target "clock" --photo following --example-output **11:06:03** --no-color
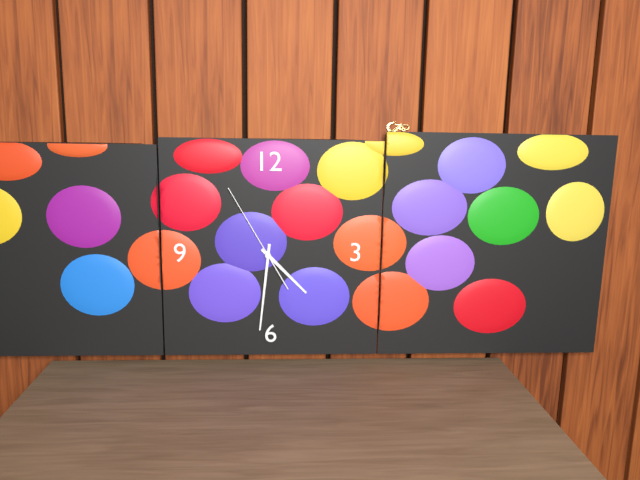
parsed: **4:31:55**
